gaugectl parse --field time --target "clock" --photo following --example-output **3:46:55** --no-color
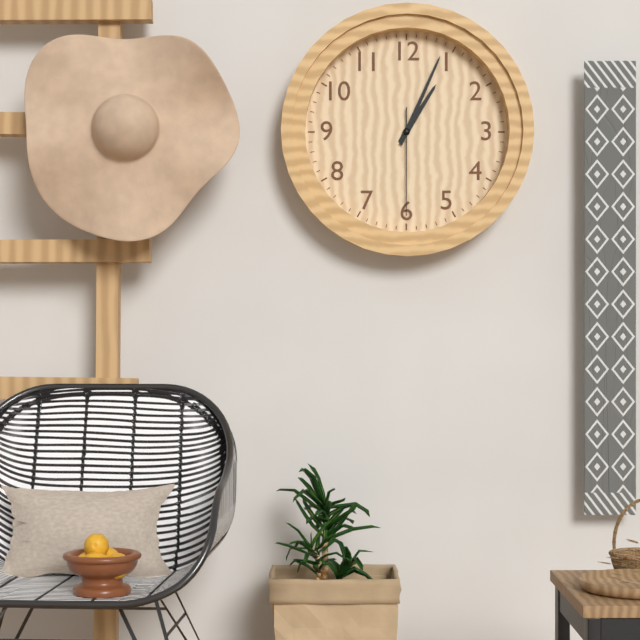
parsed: **1:04:30**
